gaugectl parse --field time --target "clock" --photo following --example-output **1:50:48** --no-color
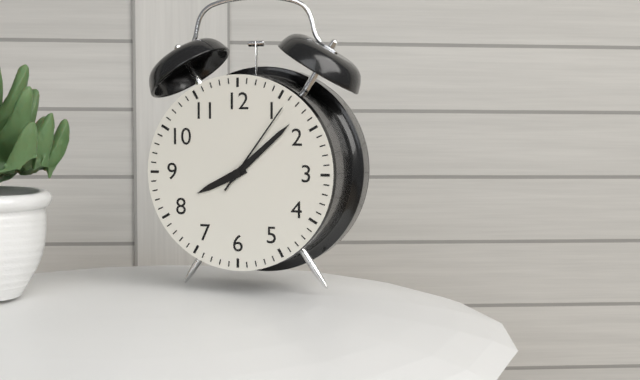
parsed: **8:08:06**
